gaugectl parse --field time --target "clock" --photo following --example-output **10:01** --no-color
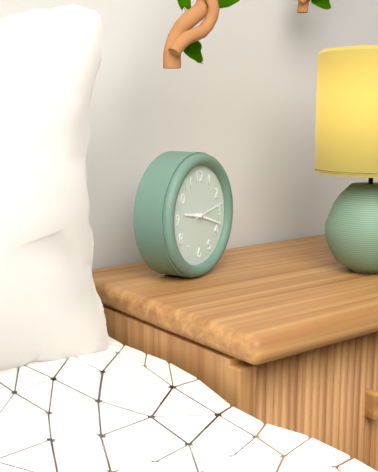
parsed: **9:18**
